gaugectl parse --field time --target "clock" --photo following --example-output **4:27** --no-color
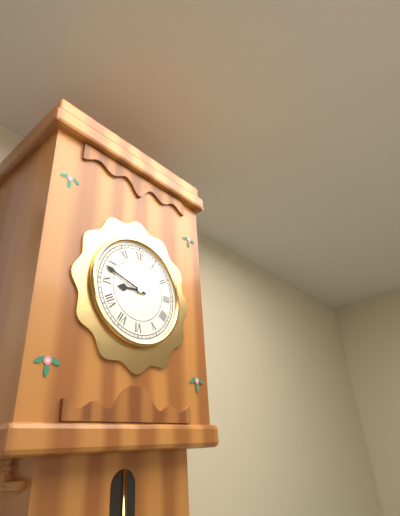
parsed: **8:48**
